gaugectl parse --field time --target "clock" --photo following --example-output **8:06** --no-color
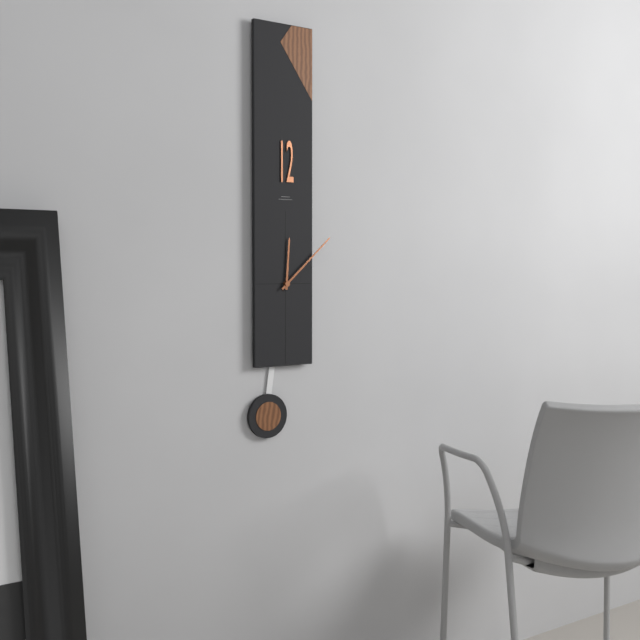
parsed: **12:08**
